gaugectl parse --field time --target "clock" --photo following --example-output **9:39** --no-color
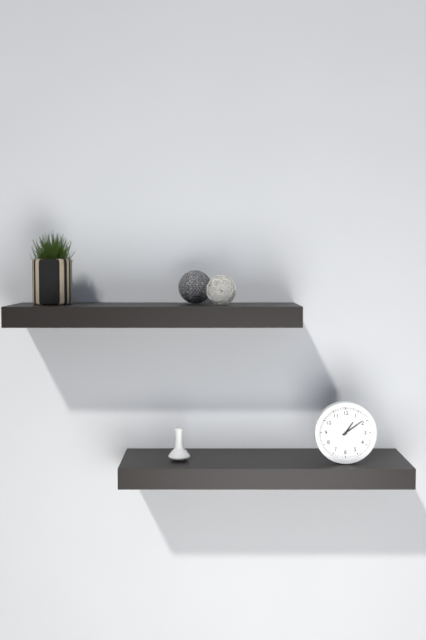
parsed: **1:09**
